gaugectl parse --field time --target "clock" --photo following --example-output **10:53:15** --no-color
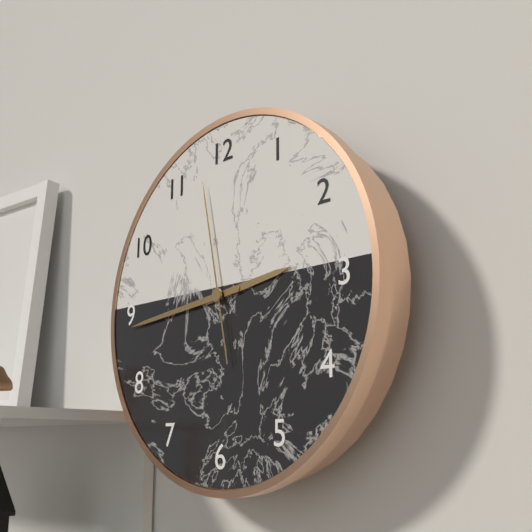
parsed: **2:44:58**
